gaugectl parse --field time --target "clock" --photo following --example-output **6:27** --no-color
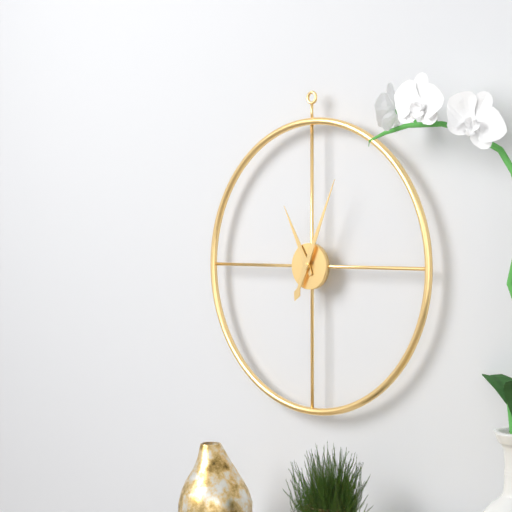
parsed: **11:04**
